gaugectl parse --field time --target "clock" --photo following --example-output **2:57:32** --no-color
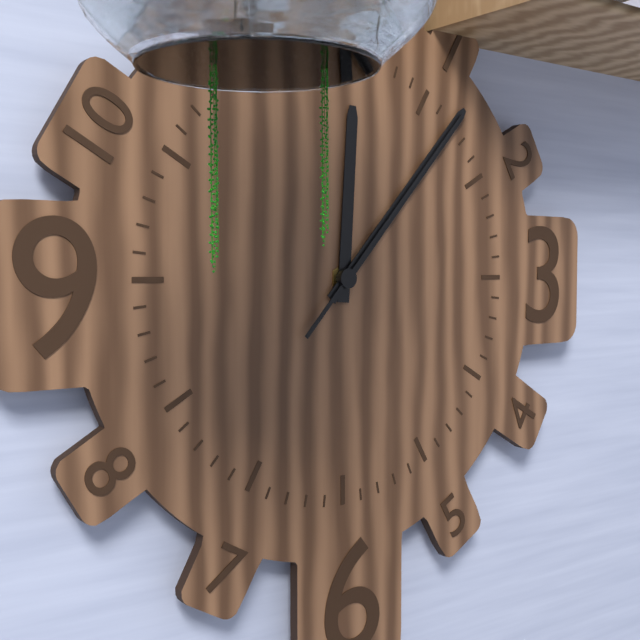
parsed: **12:07:07**
